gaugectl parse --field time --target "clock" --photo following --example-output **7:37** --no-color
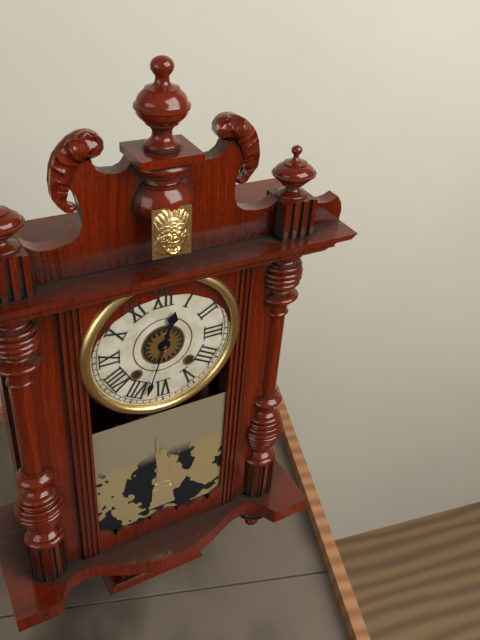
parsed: **12:33**
